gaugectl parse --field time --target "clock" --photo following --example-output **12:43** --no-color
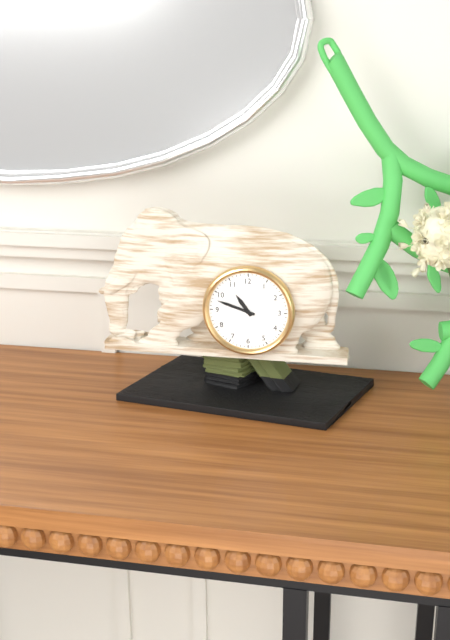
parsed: **10:48**
